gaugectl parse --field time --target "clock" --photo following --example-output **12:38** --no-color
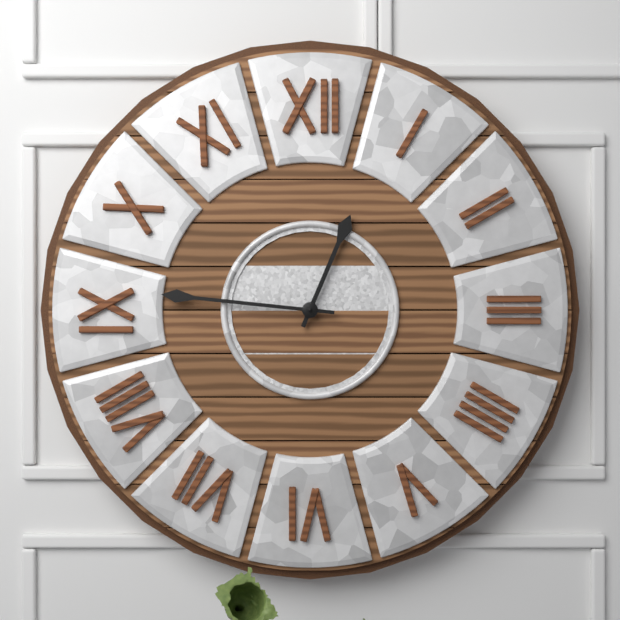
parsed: **12:46**
